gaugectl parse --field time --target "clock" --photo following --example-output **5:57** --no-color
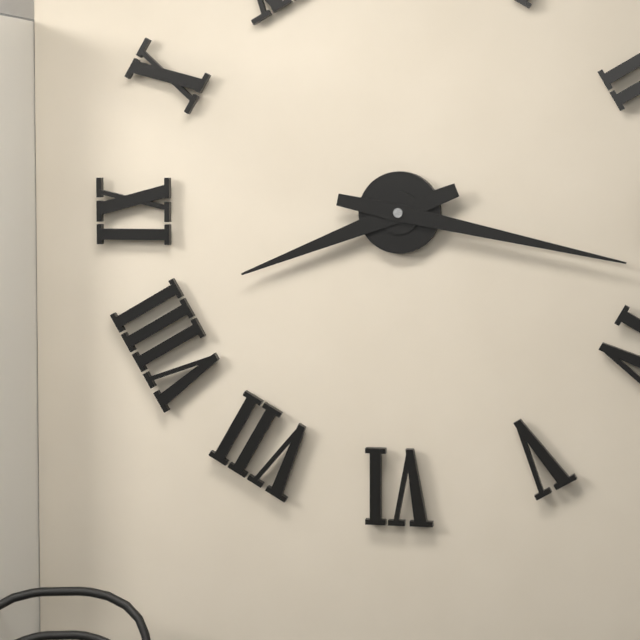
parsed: **8:17**
